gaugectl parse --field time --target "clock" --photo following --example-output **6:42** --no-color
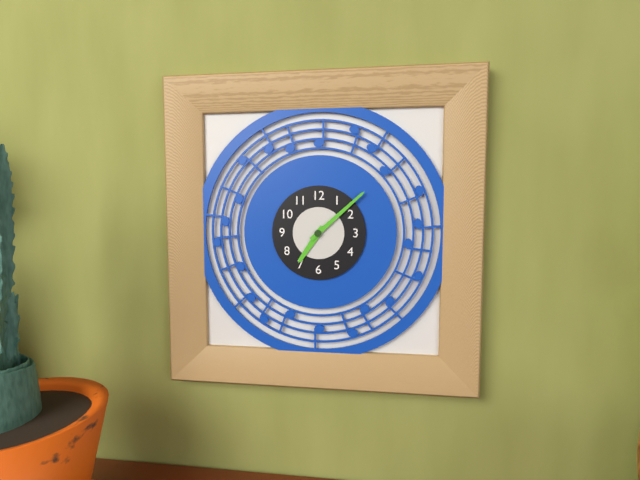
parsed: **7:08**
